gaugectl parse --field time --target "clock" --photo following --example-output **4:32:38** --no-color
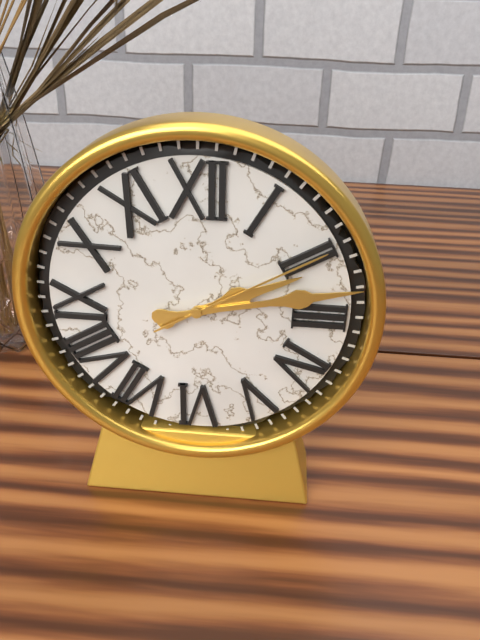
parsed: **2:13:10**
